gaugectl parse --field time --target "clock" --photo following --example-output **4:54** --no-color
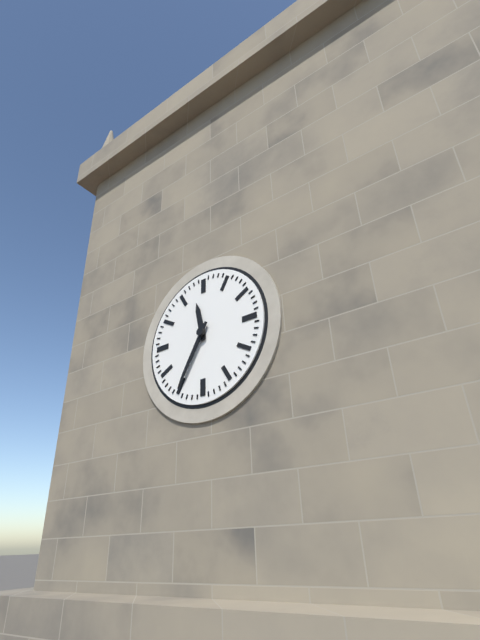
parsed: **11:35**
